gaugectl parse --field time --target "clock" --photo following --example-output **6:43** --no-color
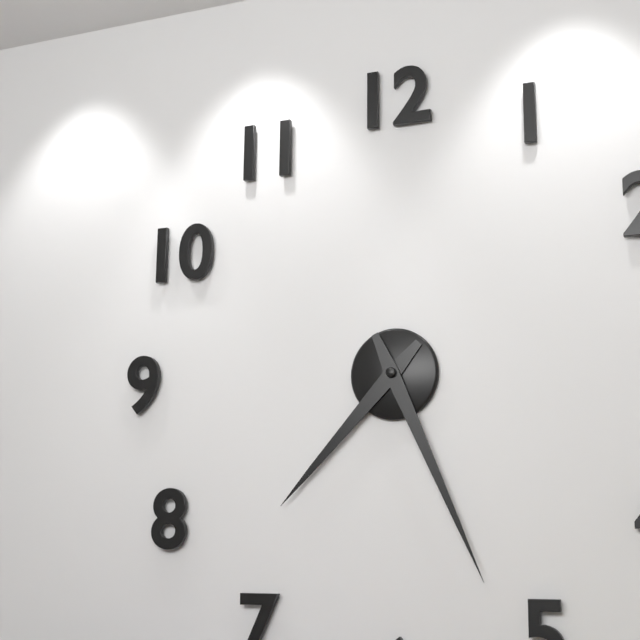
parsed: **7:26**
